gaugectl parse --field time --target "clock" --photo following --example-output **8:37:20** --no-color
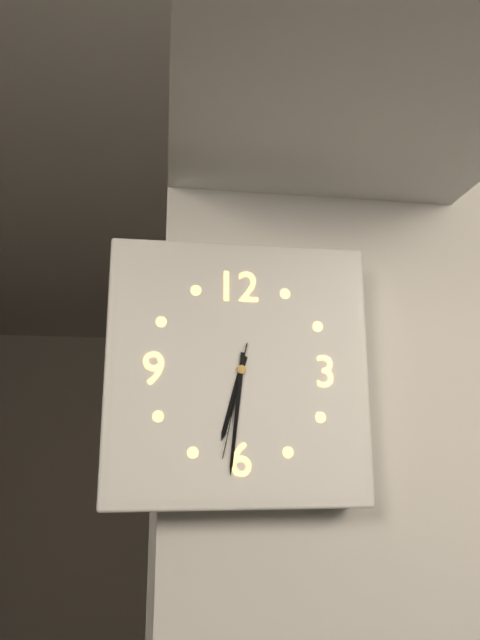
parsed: **6:31:32**
